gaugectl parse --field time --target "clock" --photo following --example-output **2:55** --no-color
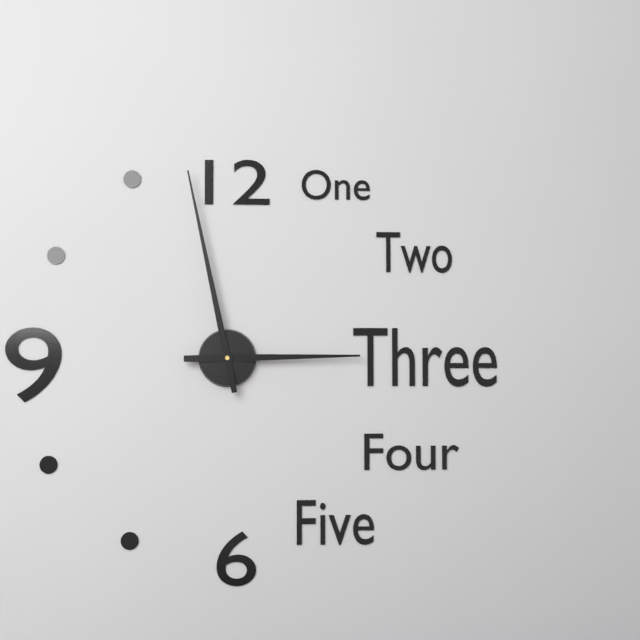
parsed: **2:58**
